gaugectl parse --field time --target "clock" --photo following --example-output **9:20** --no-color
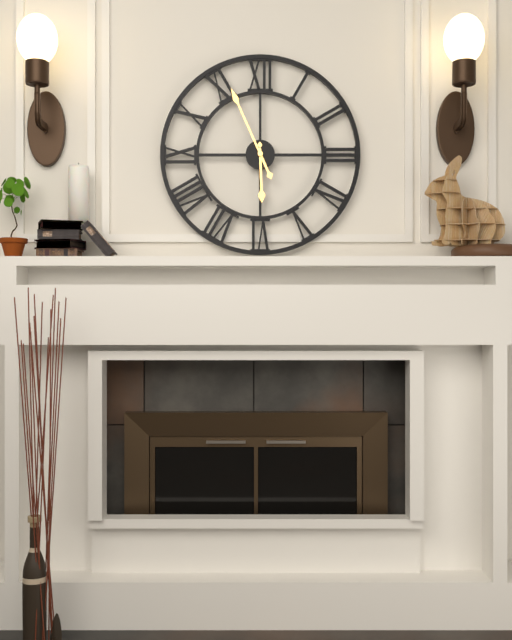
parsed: **5:56**
